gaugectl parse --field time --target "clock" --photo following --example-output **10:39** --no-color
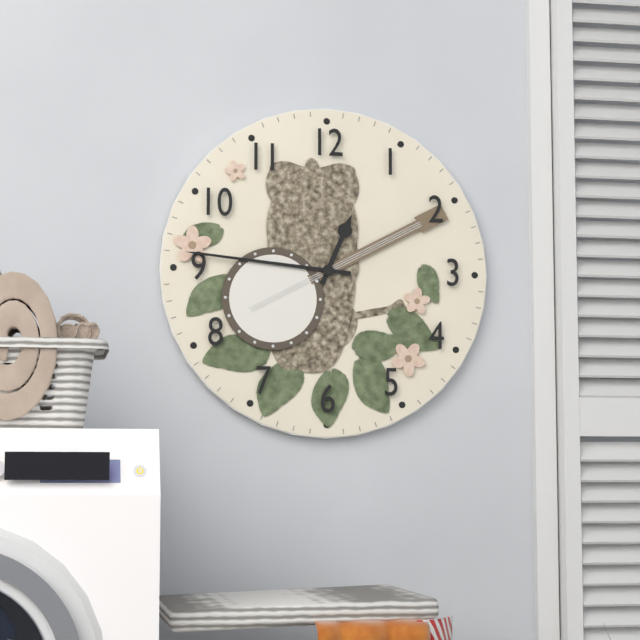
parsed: **12:46**
